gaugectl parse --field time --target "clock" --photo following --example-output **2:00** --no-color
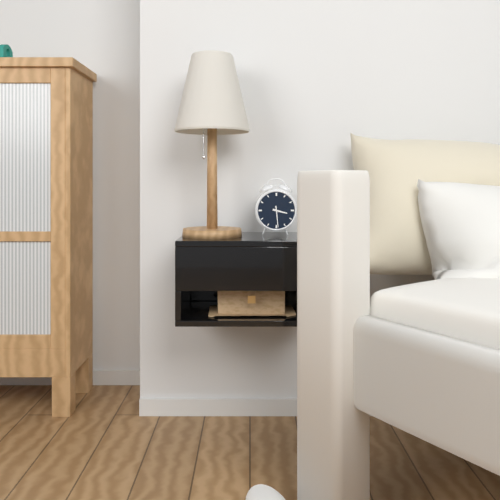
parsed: **3:29**
